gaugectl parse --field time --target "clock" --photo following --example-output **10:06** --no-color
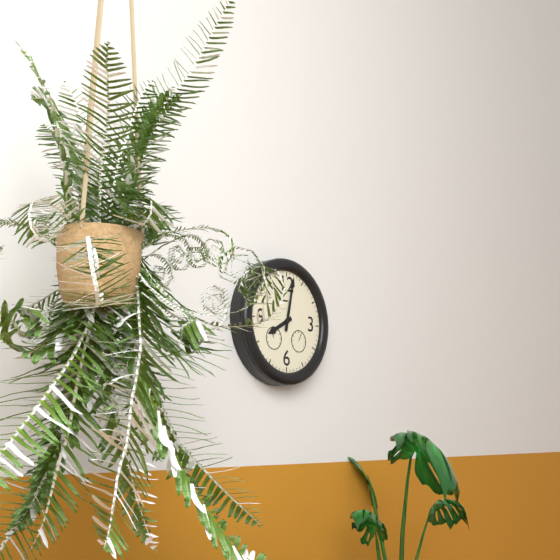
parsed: **8:02**
